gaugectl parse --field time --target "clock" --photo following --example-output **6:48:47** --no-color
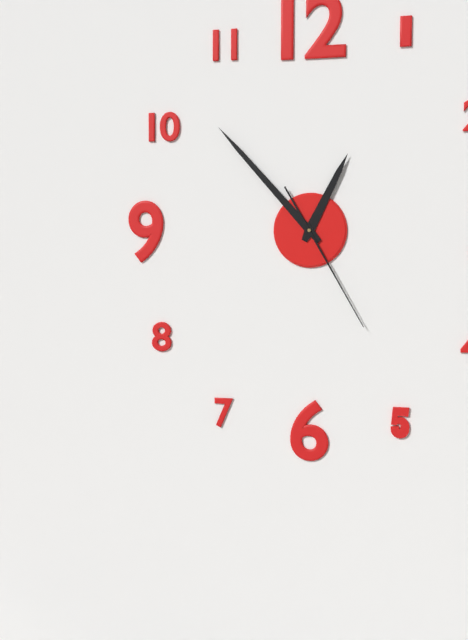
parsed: **12:53:25**
